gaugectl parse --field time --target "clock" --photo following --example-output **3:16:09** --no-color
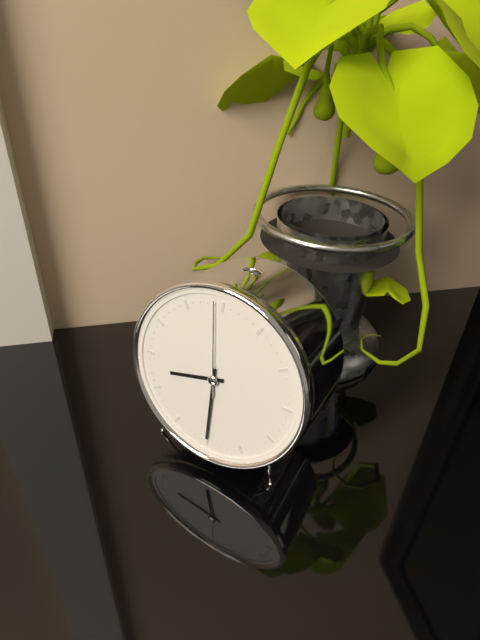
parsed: **8:30:59**
